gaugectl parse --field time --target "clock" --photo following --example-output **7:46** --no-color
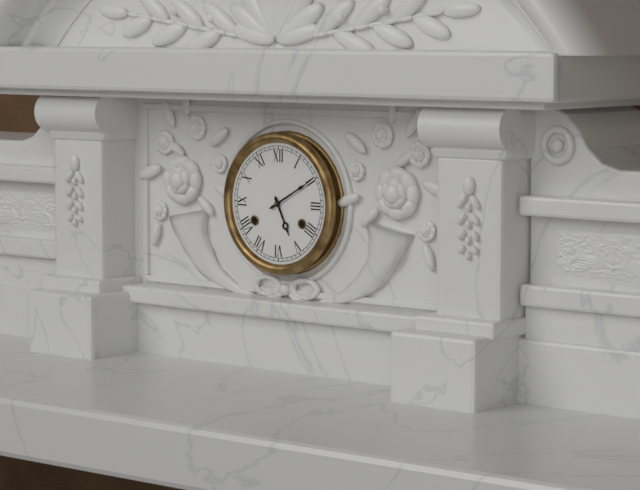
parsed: **5:10**
